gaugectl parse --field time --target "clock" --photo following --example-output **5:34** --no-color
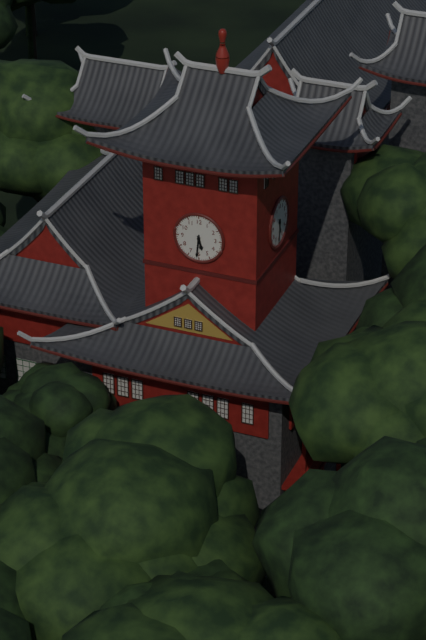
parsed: **5:31**
